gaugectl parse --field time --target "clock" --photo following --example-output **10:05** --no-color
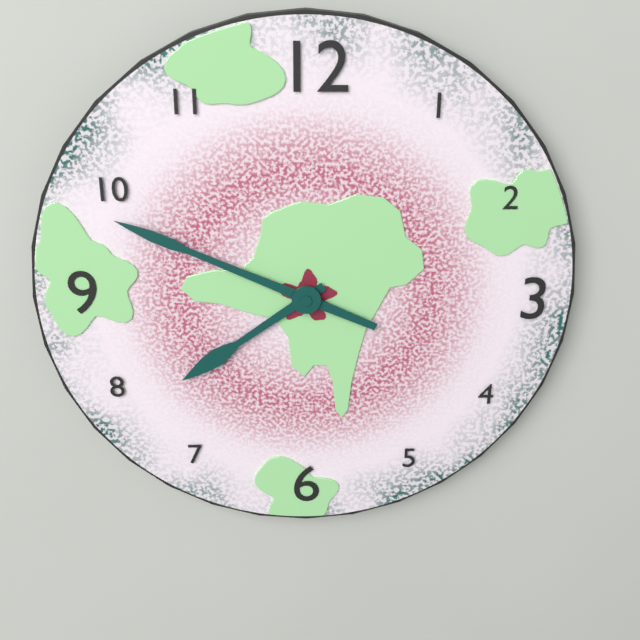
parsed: **7:49**
